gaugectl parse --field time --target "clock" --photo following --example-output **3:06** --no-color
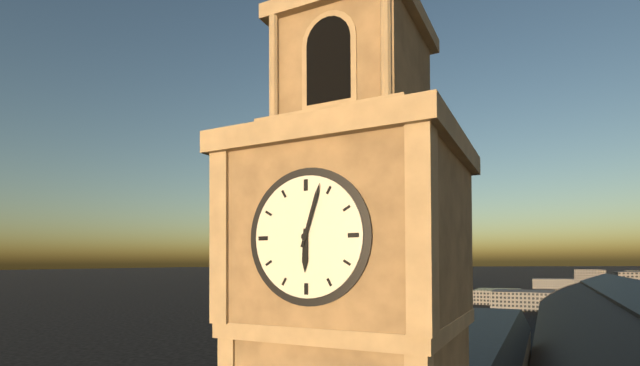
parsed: **6:03**
